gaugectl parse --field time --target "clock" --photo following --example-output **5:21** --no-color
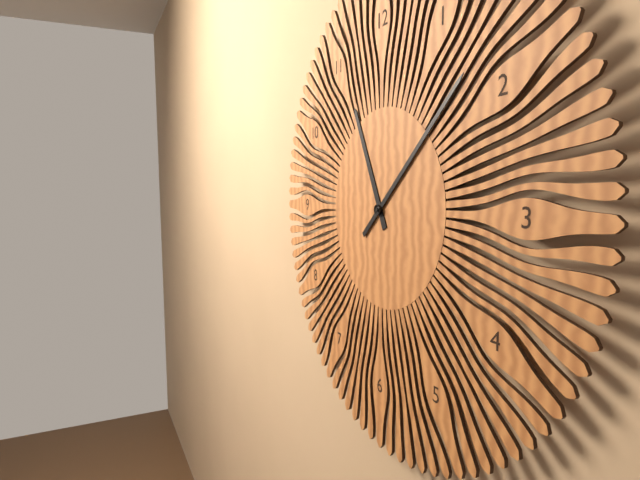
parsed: **11:08**
